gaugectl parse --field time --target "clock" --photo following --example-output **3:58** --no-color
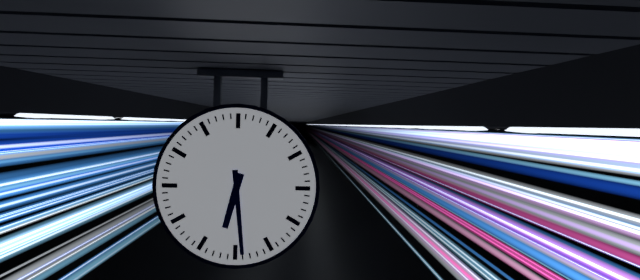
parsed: **6:29**
